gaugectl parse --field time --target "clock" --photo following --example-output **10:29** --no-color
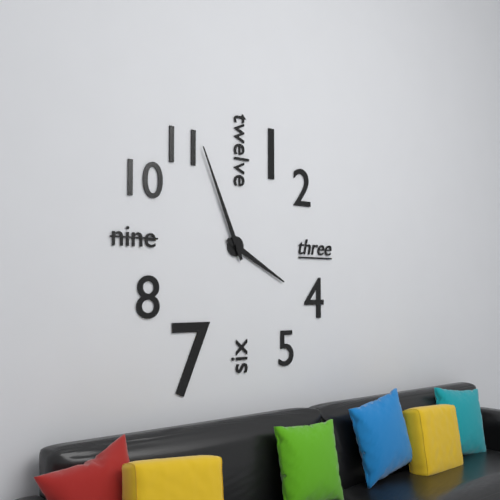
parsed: **3:56**
